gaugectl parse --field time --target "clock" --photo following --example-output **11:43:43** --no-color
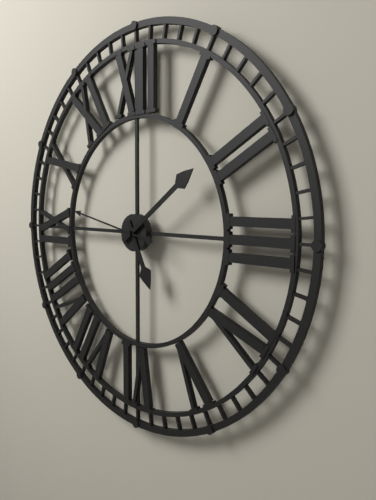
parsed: **5:09:47**
